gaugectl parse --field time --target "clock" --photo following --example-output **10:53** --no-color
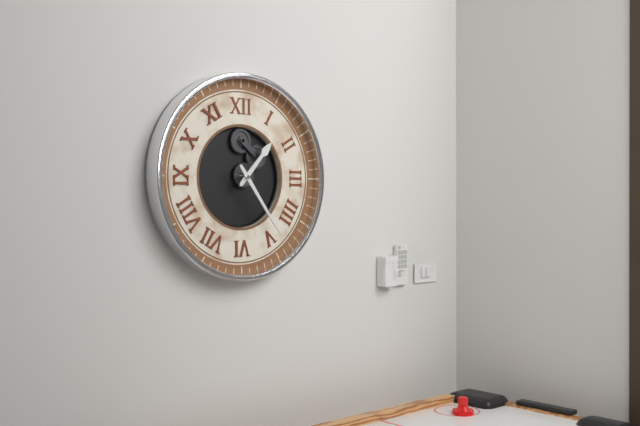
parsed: **1:24**
